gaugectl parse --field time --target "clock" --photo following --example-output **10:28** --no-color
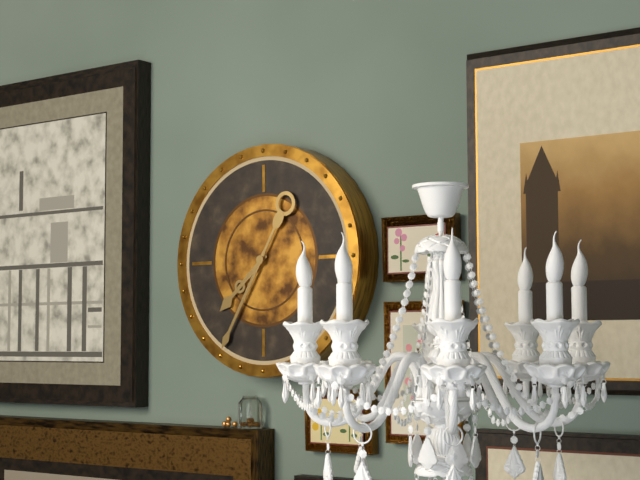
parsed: **7:35**
